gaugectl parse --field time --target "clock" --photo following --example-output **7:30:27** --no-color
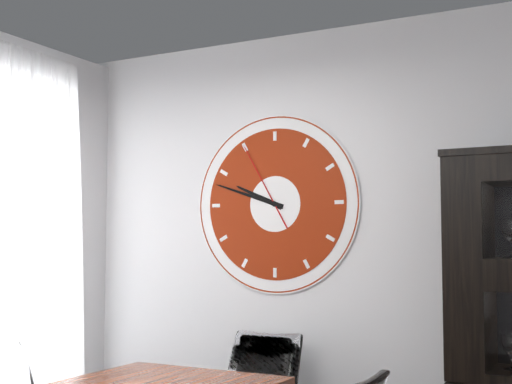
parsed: **9:48:55**
